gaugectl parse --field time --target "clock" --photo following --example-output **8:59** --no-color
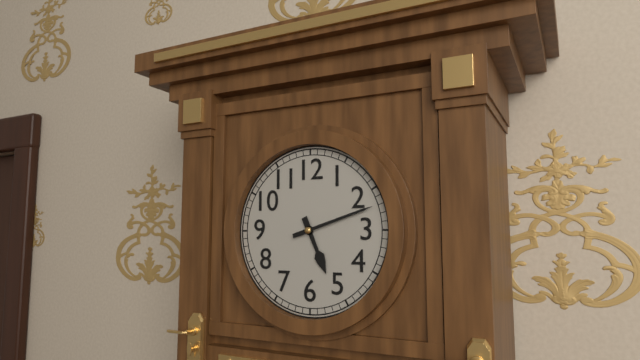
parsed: **5:12**
